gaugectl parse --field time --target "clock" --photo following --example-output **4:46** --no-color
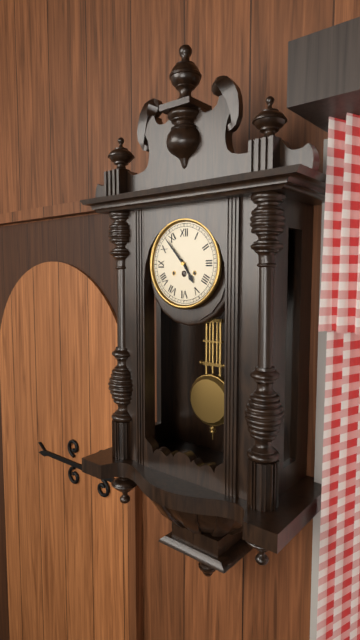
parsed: **4:53**
